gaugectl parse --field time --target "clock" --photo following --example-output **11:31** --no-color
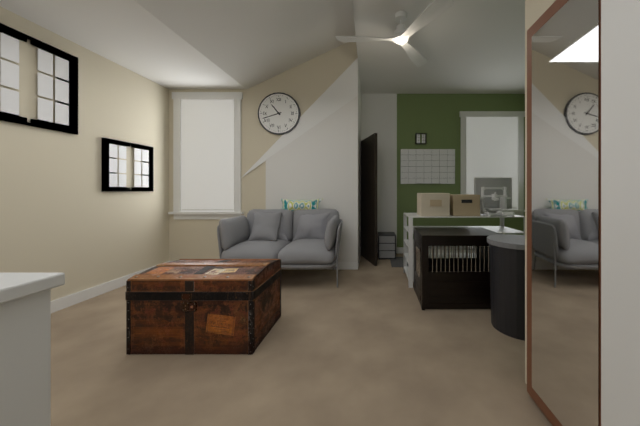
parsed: **10:42**
